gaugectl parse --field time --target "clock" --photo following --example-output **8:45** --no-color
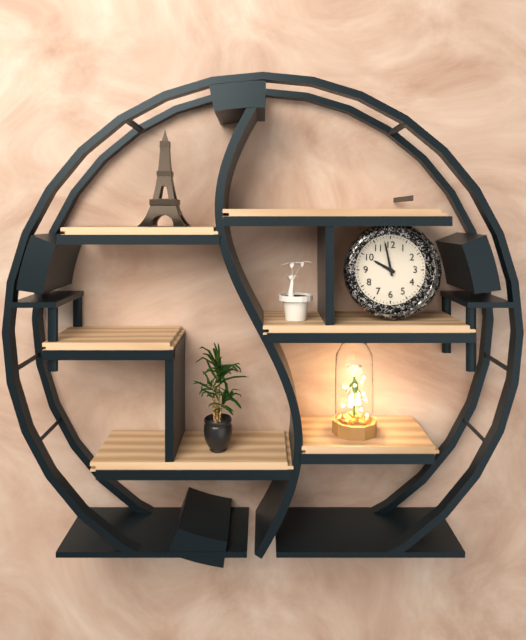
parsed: **9:58**
